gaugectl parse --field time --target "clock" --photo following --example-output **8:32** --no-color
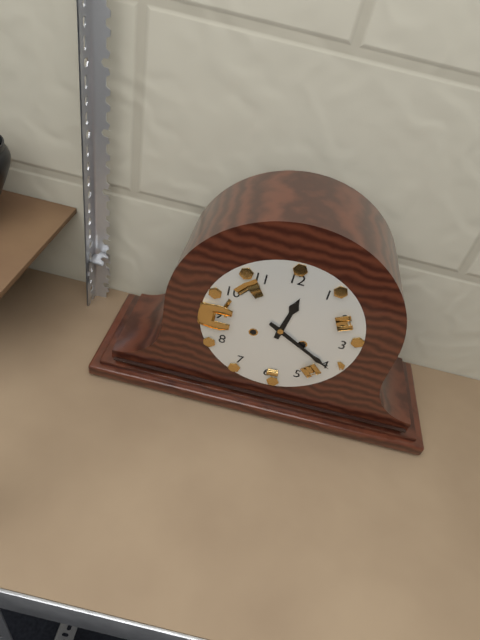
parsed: **12:20**
